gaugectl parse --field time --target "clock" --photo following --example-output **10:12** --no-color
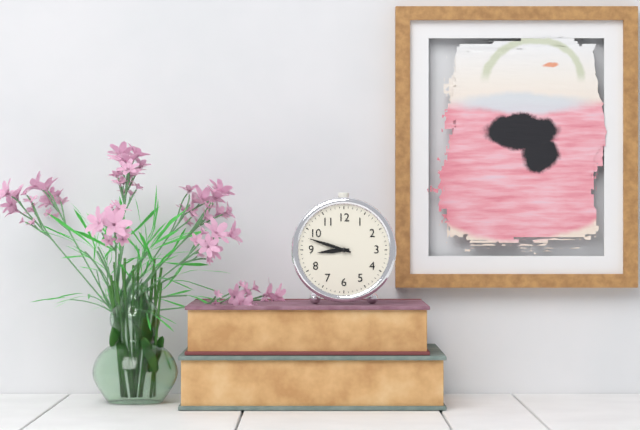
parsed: **8:48**
